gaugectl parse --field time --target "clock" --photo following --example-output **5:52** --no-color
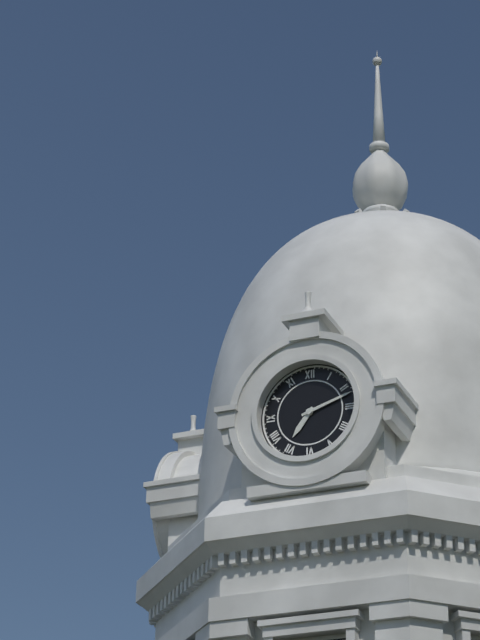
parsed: **7:12**
